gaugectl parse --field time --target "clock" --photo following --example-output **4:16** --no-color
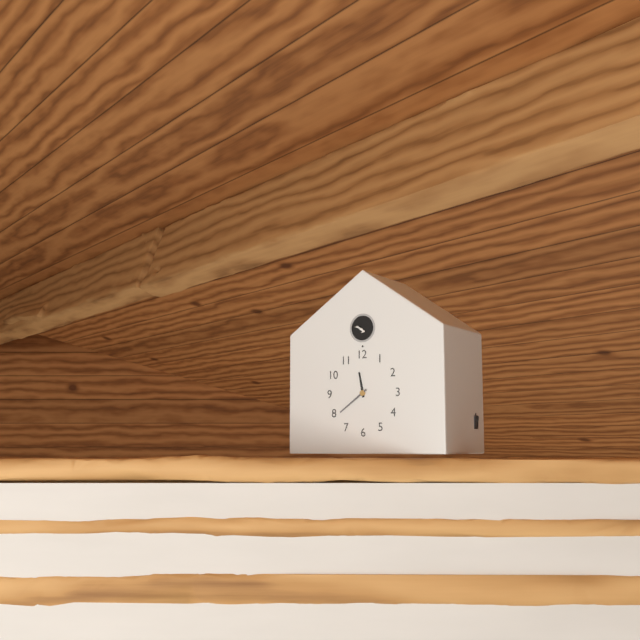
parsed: **11:39**
